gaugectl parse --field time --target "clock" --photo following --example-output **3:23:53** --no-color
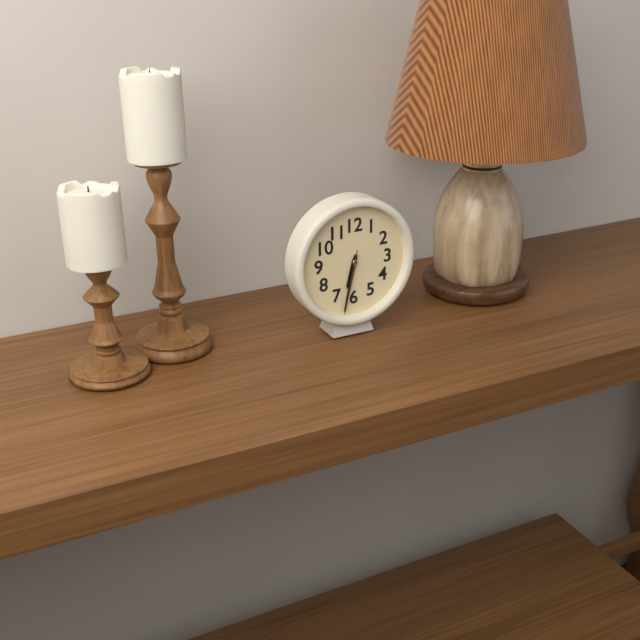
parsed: **6:32:32**
